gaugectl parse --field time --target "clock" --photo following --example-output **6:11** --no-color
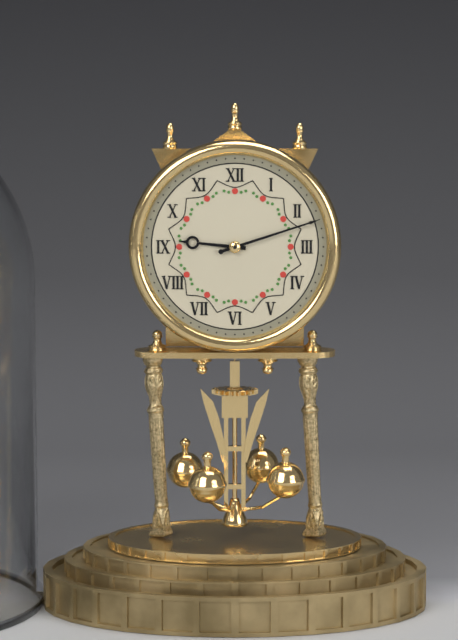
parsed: **9:12**
